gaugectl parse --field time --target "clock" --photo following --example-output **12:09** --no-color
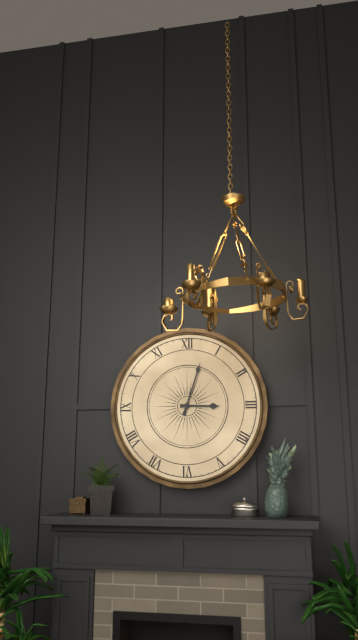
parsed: **3:03**
